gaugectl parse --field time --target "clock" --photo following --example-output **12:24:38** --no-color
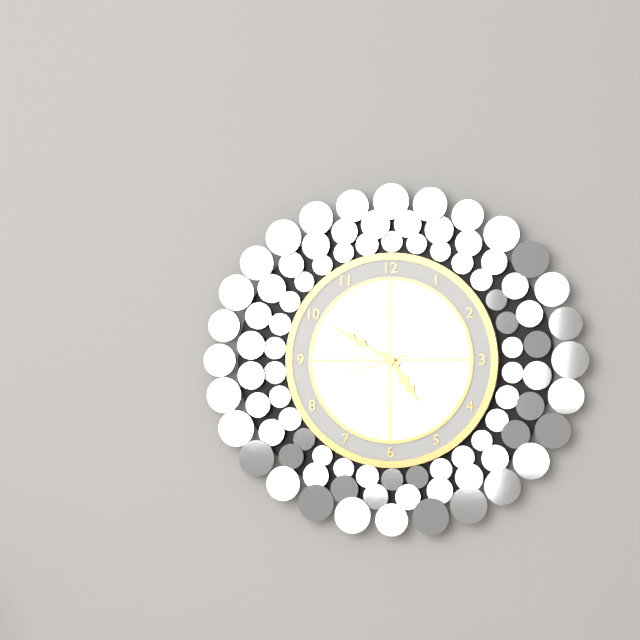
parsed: **4:50:42**
